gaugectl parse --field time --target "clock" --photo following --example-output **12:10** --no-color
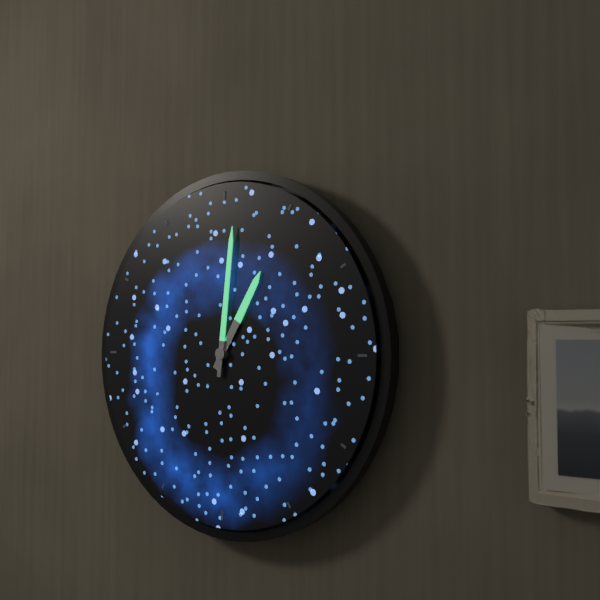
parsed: **1:01**
